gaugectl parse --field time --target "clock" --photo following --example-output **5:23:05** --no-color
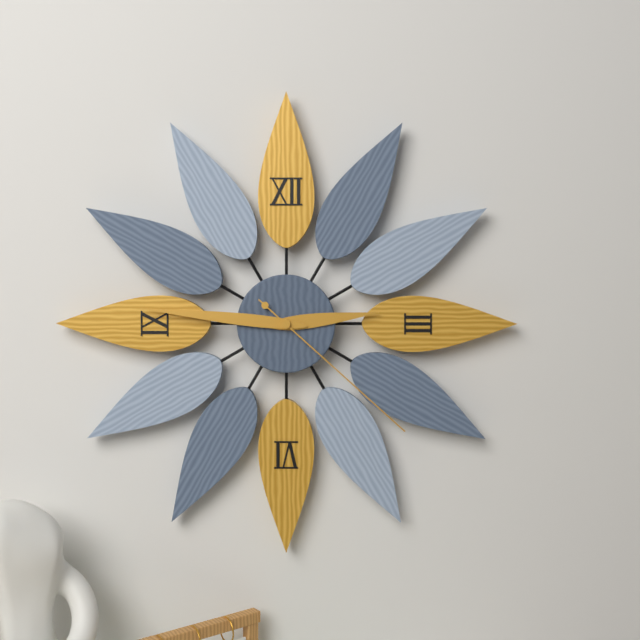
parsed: **2:46:22**
